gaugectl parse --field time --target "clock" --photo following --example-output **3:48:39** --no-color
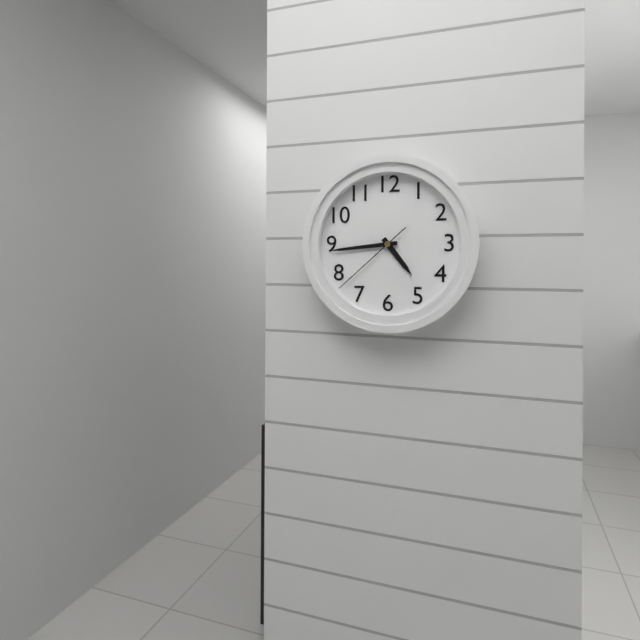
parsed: **4:44:38**
